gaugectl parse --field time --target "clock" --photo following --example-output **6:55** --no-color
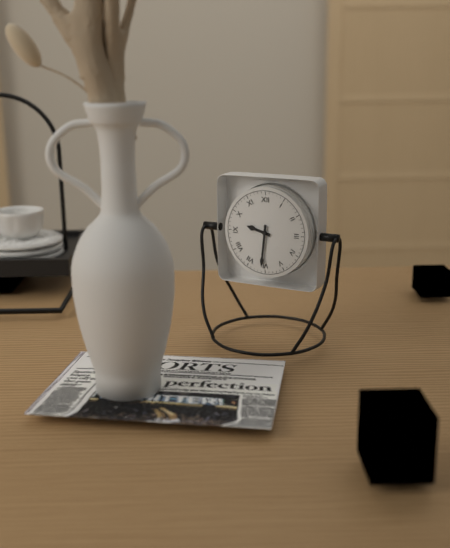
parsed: **9:31**
